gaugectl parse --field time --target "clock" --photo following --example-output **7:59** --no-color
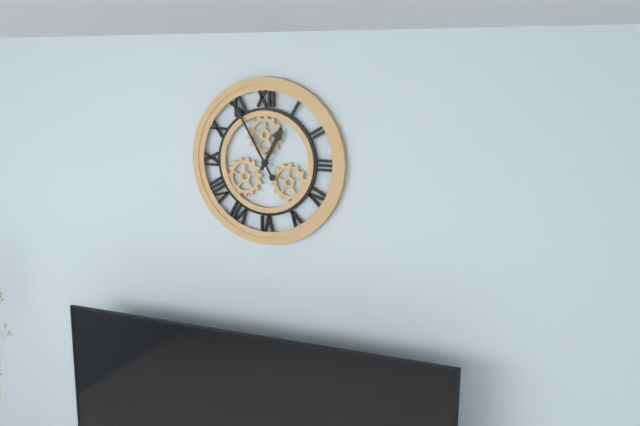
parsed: **12:55**
